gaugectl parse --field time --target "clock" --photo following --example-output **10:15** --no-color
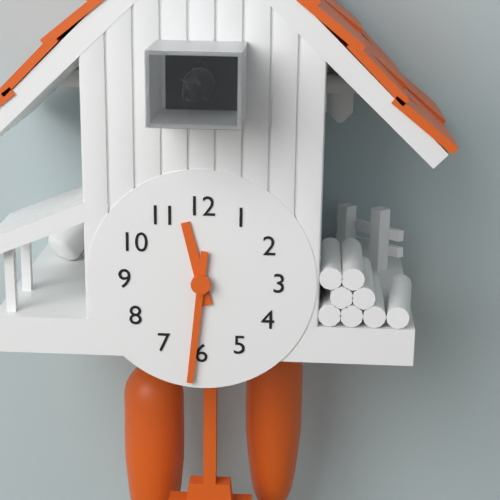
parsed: **11:31**
